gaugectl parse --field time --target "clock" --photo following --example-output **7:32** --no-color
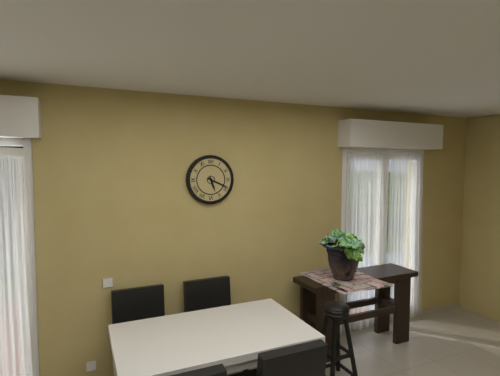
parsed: **5:19**
